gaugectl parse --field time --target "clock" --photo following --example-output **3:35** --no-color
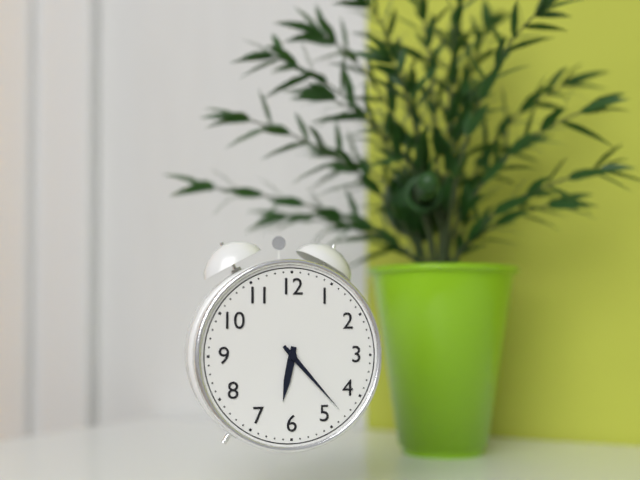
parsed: **6:23**
